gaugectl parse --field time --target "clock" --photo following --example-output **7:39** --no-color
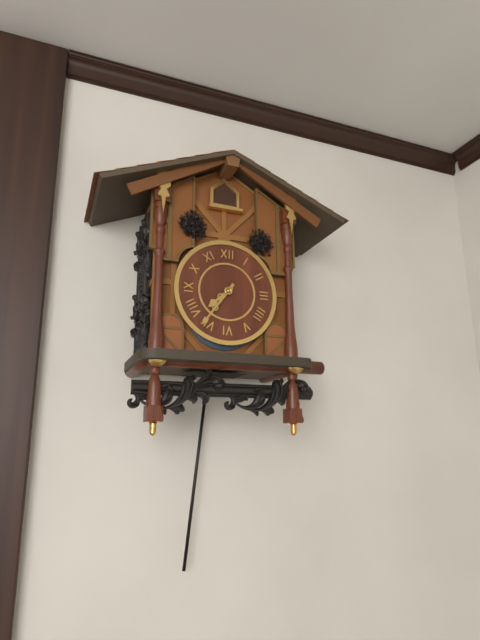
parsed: **7:36**
